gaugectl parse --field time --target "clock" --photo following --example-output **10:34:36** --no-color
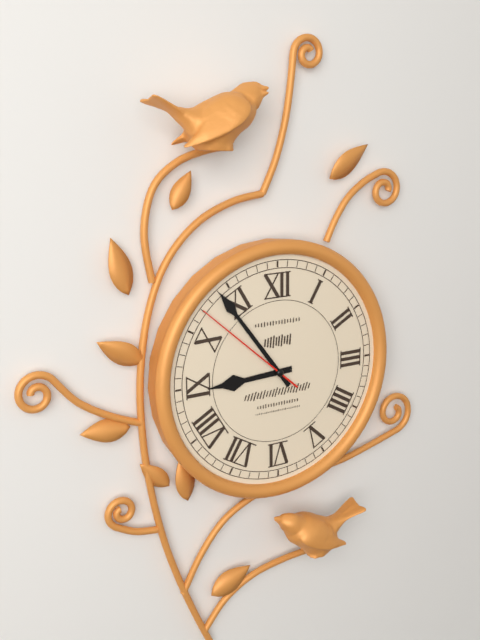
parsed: **8:54:52**
